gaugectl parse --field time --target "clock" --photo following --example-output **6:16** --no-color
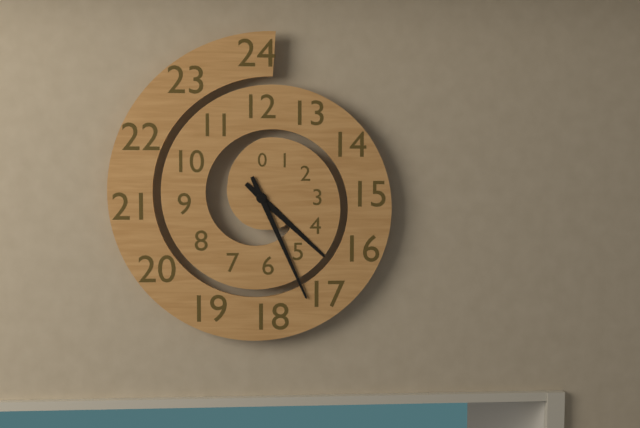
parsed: **4:26**
